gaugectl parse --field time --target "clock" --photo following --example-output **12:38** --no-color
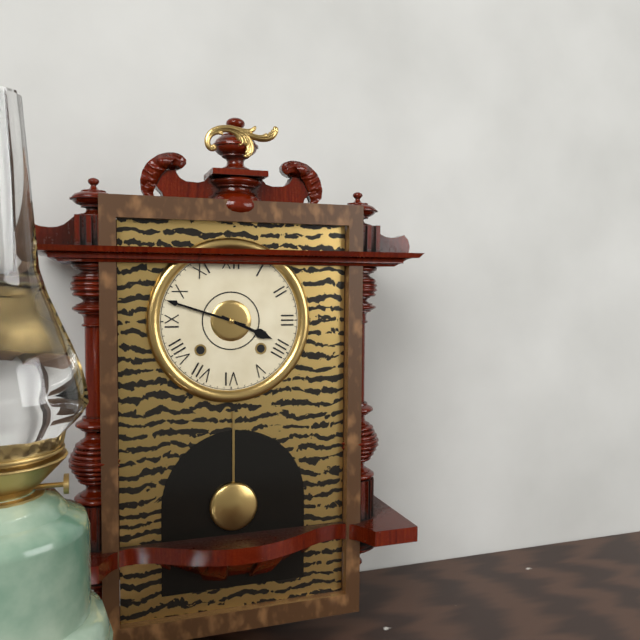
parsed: **3:48**
